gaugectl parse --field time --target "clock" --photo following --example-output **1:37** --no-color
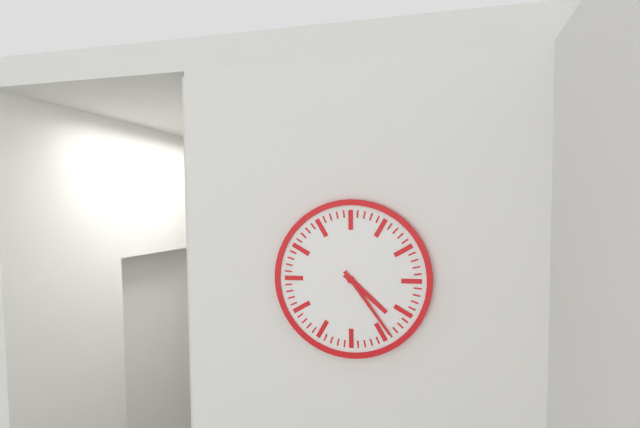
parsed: **4:24**
